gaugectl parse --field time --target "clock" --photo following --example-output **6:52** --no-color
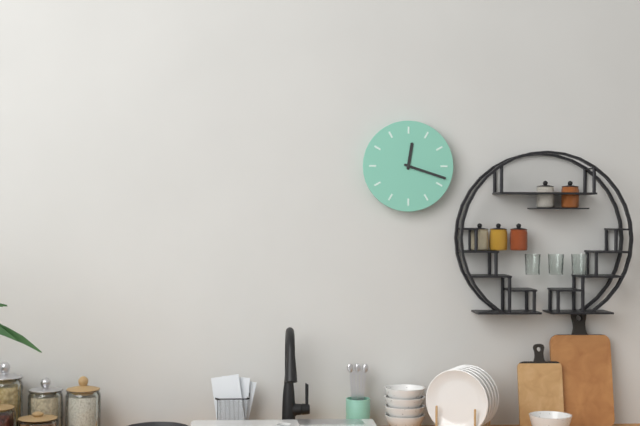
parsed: **12:18**
